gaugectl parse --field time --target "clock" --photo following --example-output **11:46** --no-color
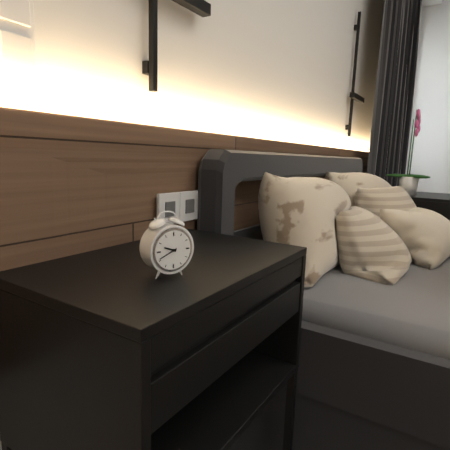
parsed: **9:41**
